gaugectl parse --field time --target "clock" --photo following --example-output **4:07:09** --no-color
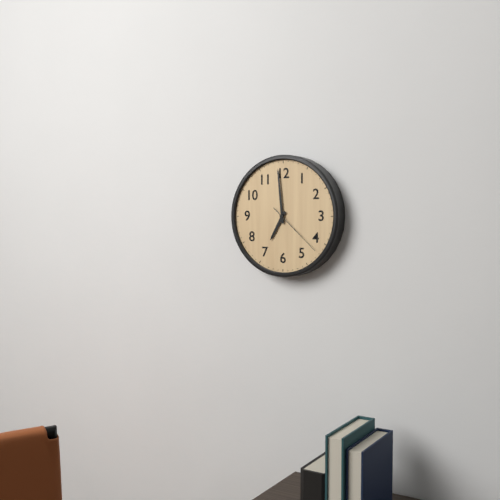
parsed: **6:59:22**
